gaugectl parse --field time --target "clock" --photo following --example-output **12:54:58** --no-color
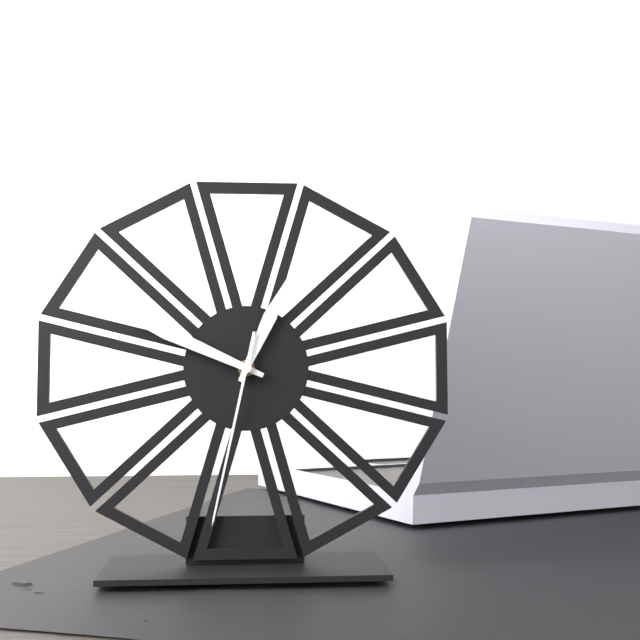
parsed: **12:49:32**
